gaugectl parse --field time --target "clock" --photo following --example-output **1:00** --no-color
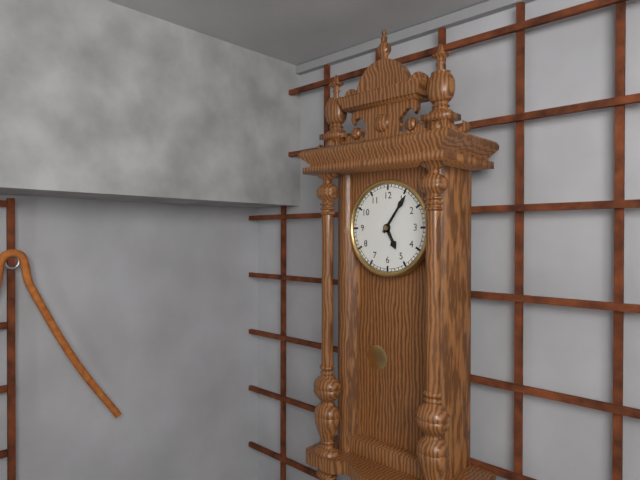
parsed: **5:06**
